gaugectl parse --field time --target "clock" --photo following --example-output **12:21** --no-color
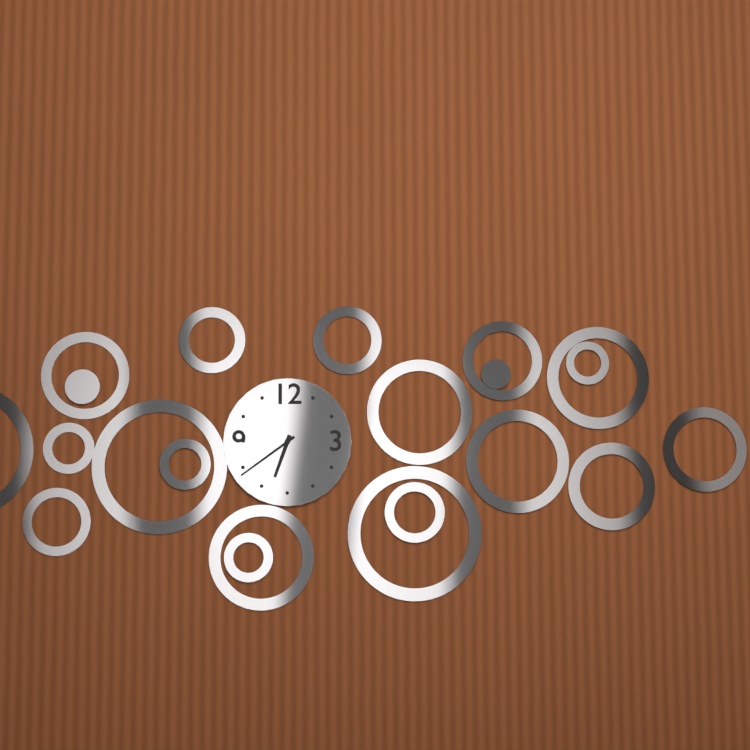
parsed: **6:39**
